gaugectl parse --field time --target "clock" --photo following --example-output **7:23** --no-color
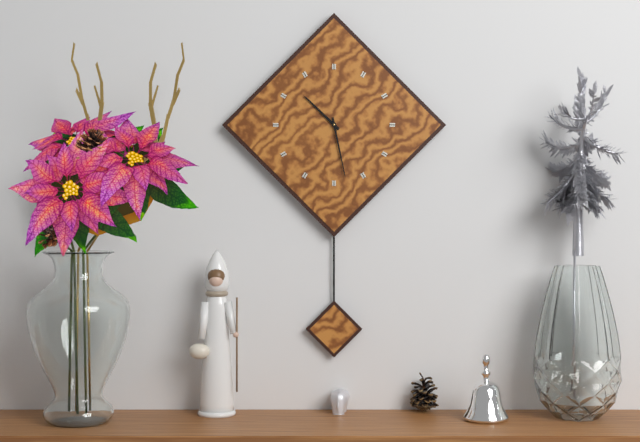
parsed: **10:28**
